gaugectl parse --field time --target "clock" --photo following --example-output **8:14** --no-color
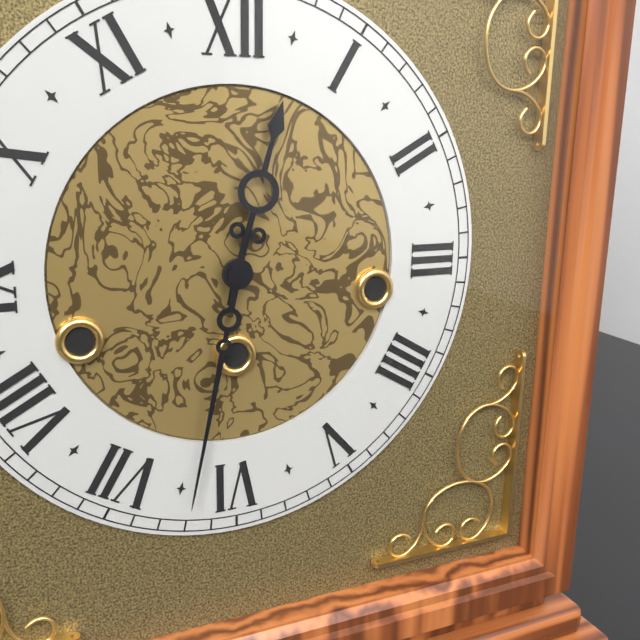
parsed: **12:32**
